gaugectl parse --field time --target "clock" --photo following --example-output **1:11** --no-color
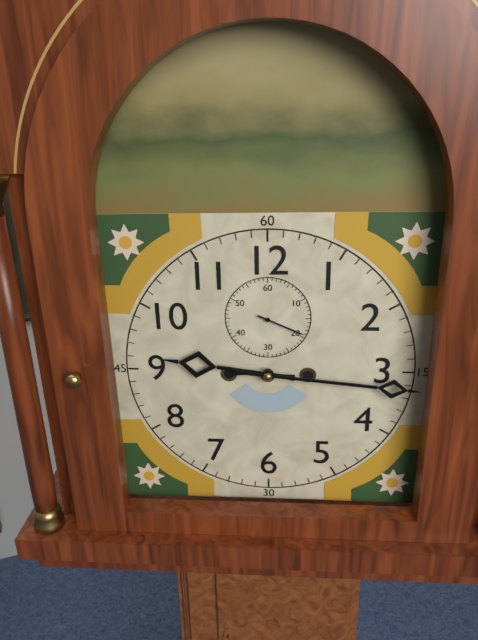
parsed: **9:16**
